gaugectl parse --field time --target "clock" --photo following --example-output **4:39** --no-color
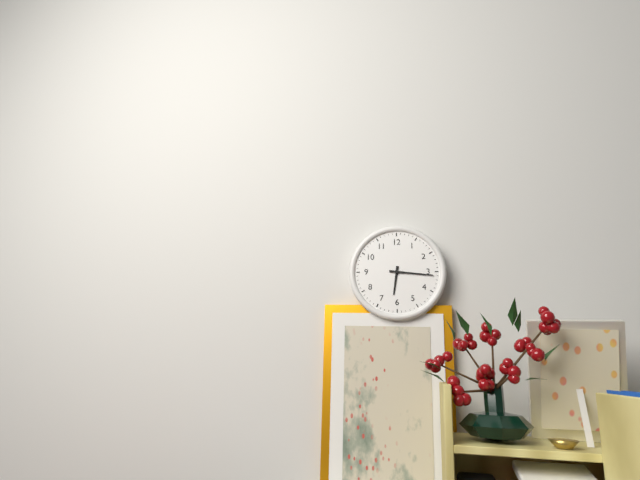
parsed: **6:16**
